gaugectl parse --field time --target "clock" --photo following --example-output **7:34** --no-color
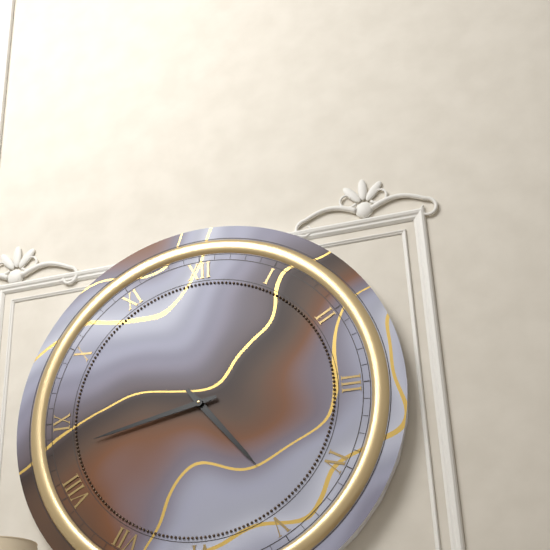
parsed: **4:43**
